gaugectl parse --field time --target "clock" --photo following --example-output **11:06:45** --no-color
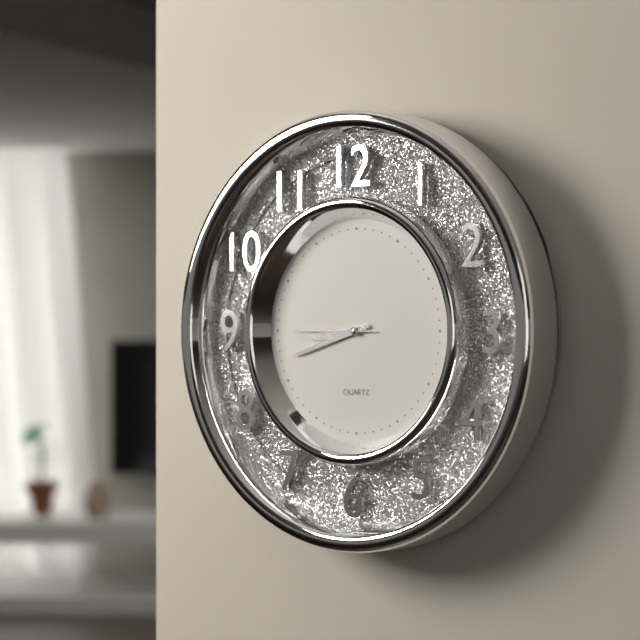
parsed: **8:42:45**
